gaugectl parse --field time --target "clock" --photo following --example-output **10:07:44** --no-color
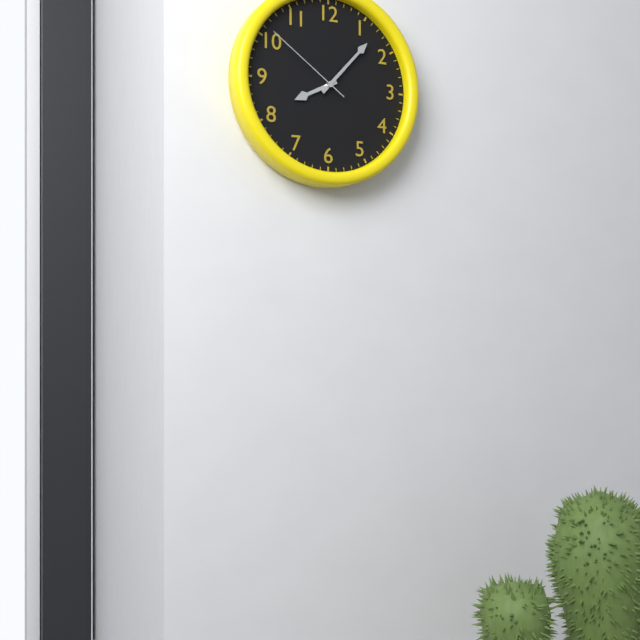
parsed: **8:07:51**
